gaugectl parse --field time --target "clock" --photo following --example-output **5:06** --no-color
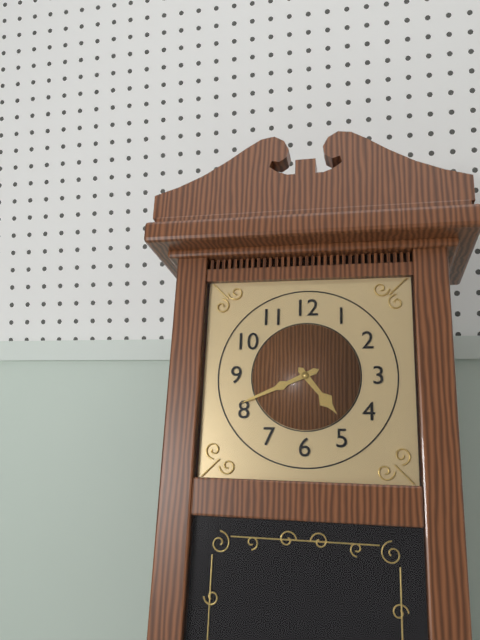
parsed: **4:41**
